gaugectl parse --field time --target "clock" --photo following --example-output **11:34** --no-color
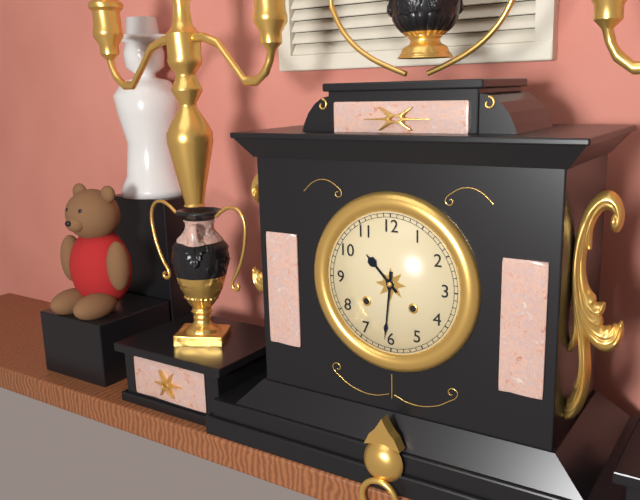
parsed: **10:31**
